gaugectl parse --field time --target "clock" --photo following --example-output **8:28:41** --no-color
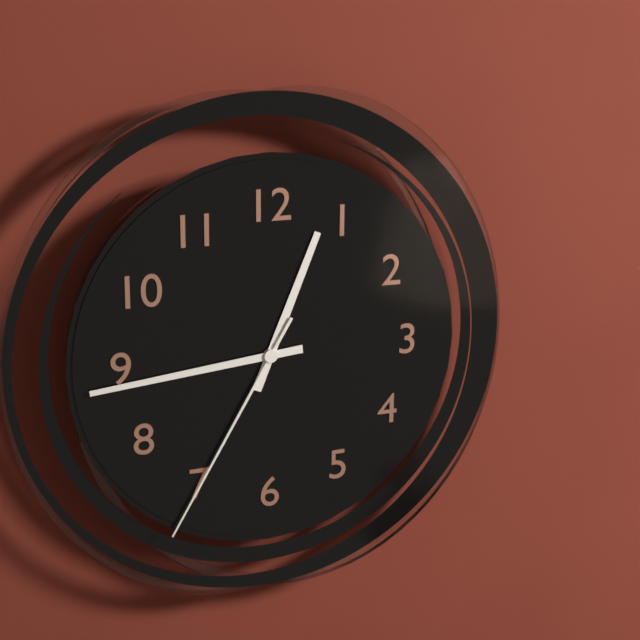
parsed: **12:44:35**
